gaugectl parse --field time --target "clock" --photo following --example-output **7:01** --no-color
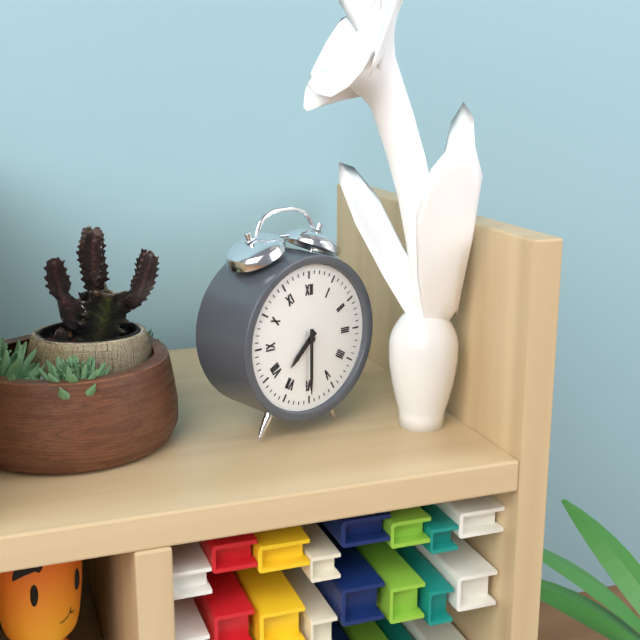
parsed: **7:30**
